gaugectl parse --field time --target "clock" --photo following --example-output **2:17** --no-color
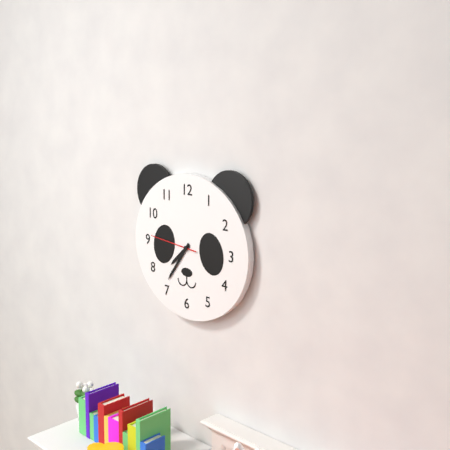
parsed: **7:36**
